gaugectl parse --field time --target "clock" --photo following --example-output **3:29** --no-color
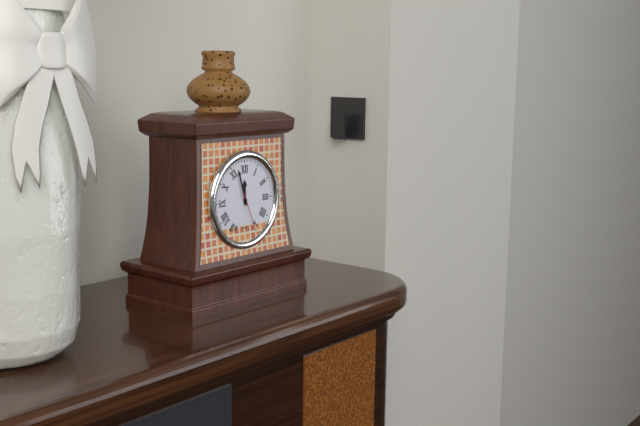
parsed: **11:57**
